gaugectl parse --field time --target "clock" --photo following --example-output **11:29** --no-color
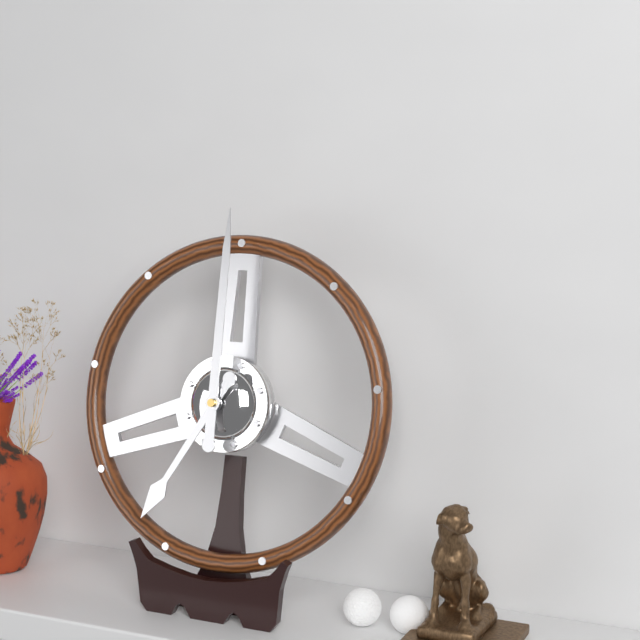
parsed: **7:00**
